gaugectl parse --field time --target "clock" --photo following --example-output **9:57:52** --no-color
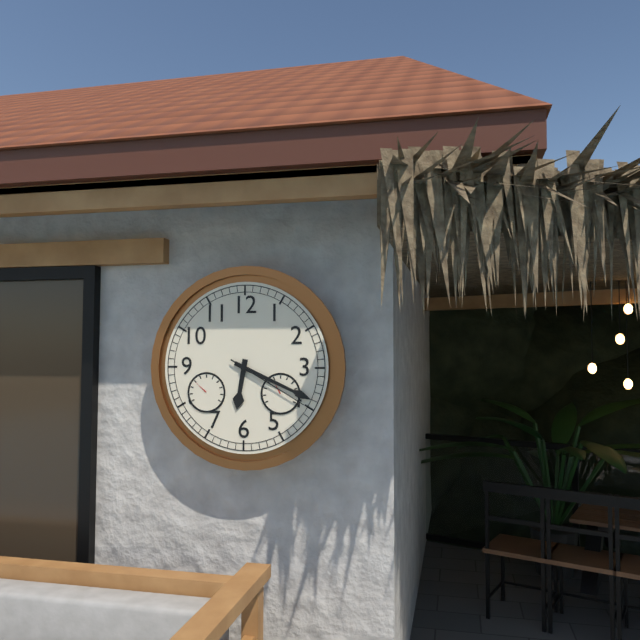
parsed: **6:19:20**
